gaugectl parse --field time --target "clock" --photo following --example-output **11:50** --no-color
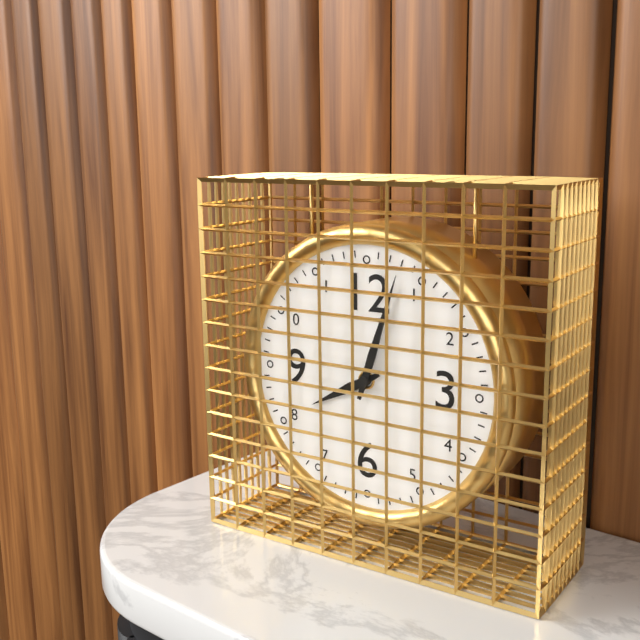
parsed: **8:03**
